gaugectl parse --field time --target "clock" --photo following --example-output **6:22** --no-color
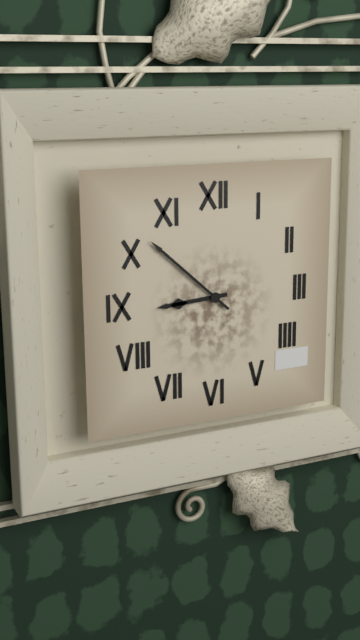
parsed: **8:52**
